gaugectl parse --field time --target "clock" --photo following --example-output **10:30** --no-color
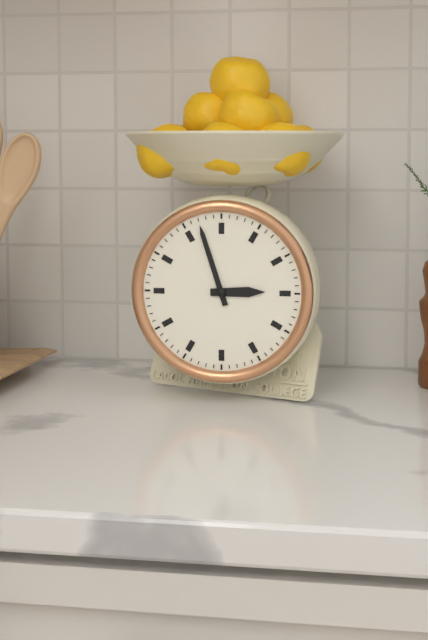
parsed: **2:57**
